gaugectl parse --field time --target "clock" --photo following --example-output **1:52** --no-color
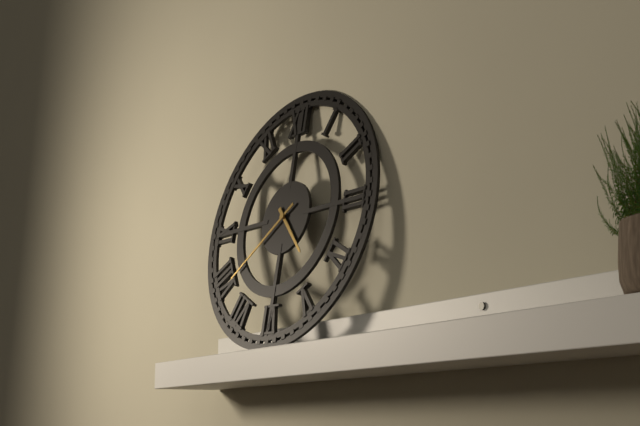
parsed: **4:39**
